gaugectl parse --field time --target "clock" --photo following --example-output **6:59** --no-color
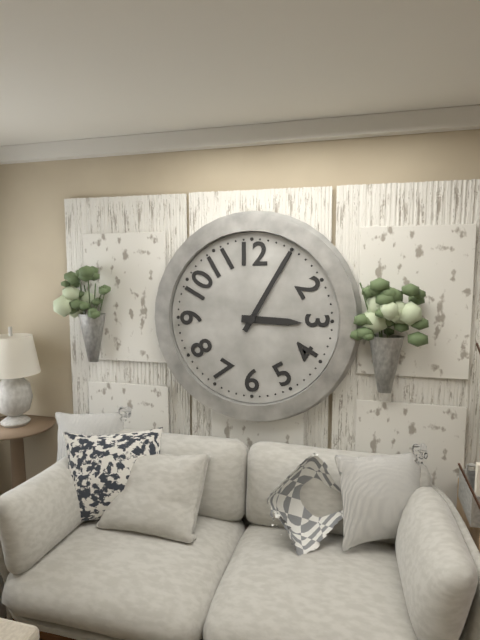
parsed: **3:05**
